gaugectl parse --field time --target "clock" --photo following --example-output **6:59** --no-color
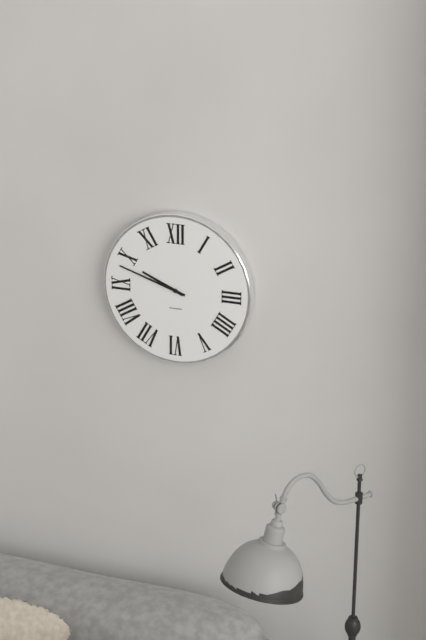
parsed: **9:48**
